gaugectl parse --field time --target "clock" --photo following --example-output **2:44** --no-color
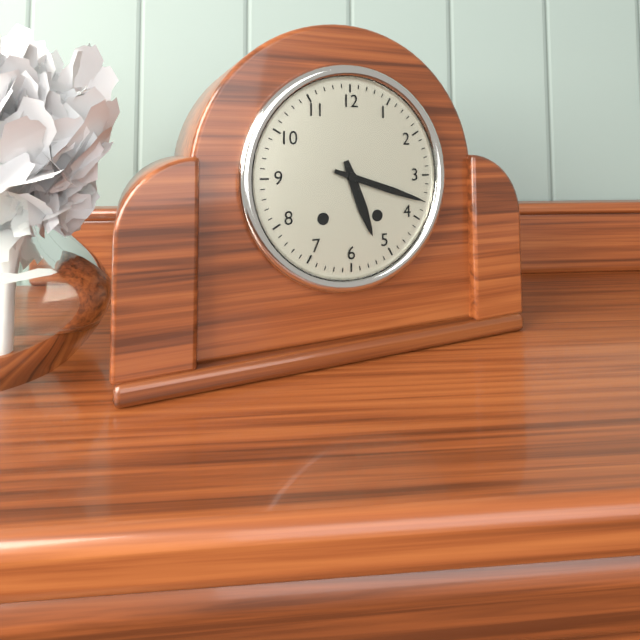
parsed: **5:18**
